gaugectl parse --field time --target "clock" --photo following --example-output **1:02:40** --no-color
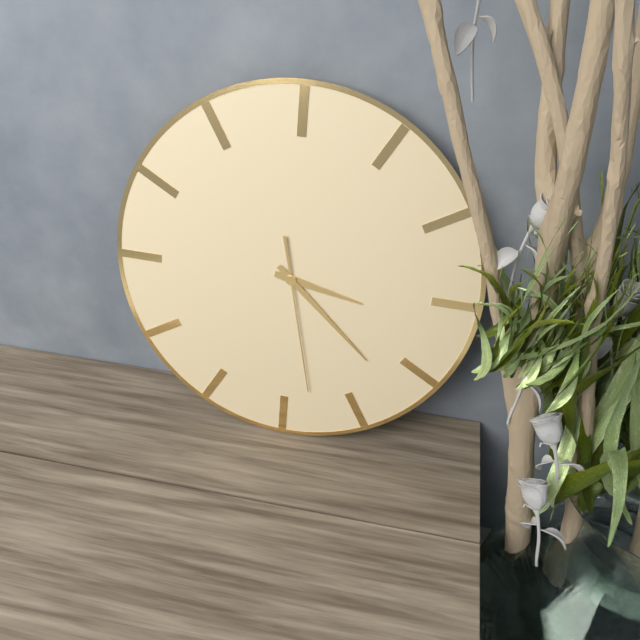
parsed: **3:22:28**
